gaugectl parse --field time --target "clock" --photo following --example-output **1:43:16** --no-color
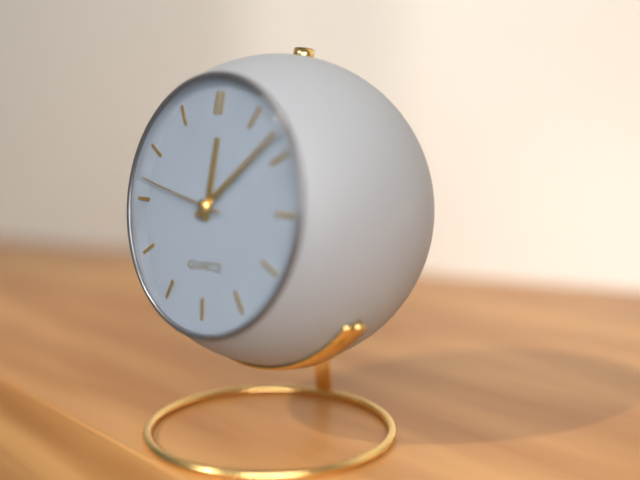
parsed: **12:08:47**
